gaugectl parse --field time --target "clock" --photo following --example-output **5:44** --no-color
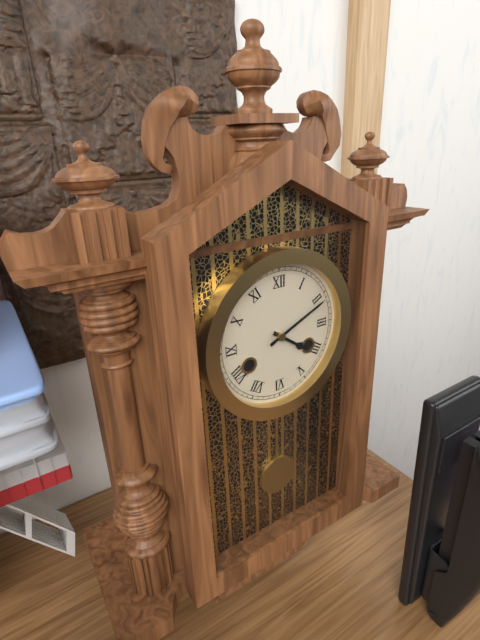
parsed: **4:11**
